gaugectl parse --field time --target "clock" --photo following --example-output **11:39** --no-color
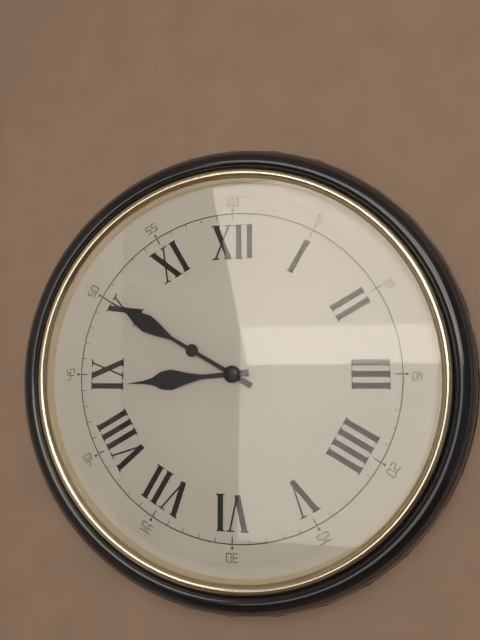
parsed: **8:50**
